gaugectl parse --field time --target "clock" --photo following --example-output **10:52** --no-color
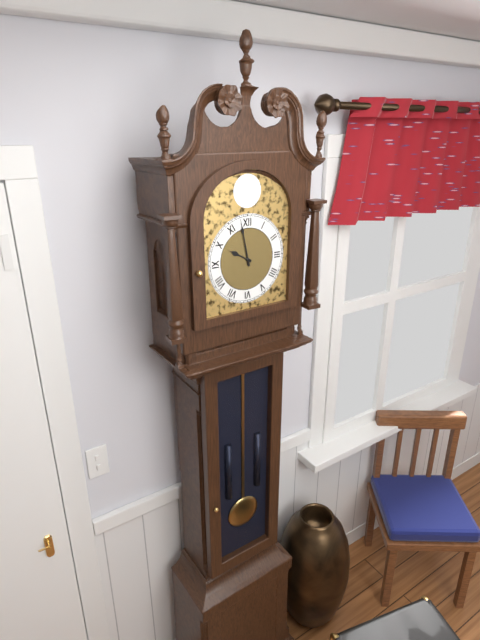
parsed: **9:58**
